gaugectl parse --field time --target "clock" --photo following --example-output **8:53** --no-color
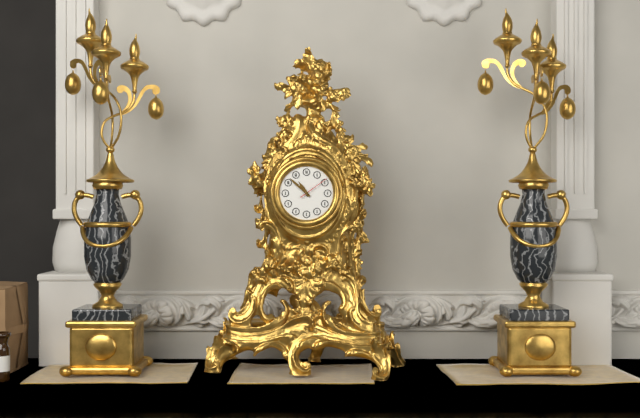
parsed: **10:52**
